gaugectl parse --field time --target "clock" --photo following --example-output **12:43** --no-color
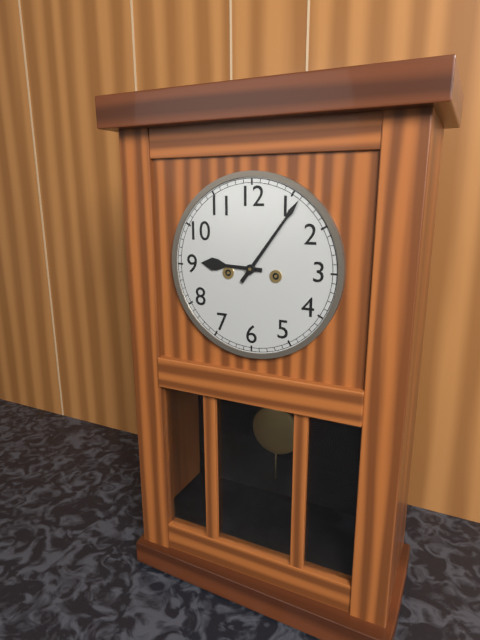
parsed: **9:06**
